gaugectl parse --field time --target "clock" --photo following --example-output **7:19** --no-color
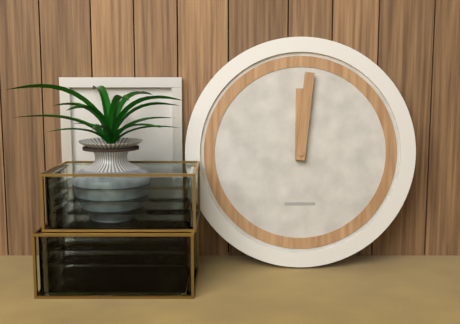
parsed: **12:01**
